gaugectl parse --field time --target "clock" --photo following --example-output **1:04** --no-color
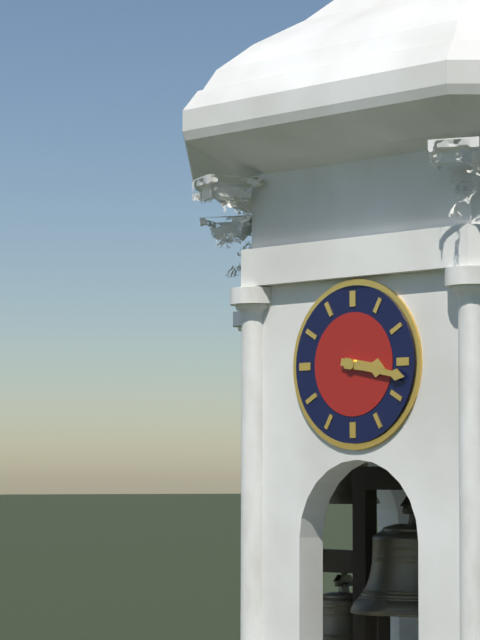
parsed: **3:17**
